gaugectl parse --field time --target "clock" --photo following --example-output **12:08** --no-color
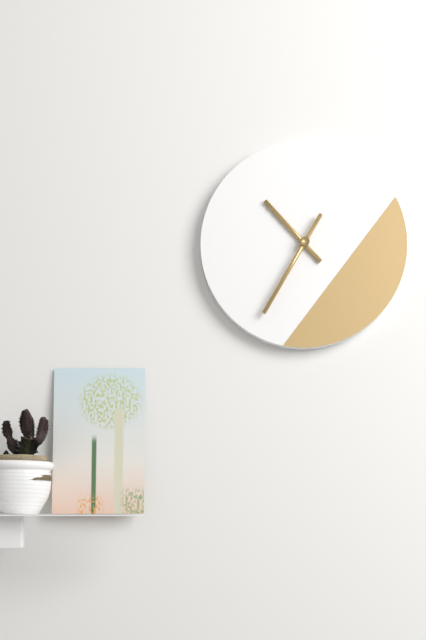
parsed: **10:35**
